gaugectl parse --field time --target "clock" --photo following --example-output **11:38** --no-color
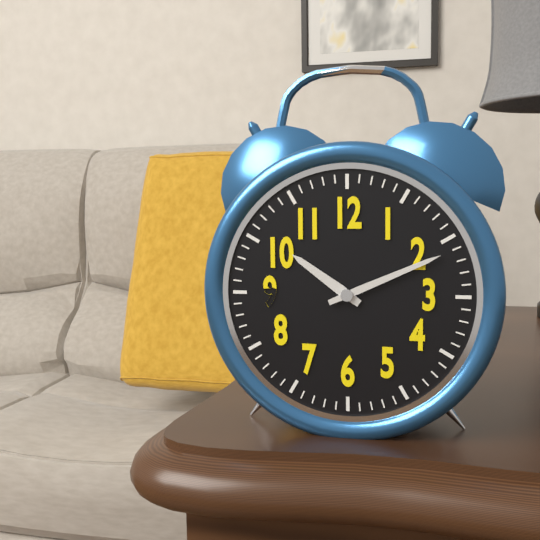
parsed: **10:11**
